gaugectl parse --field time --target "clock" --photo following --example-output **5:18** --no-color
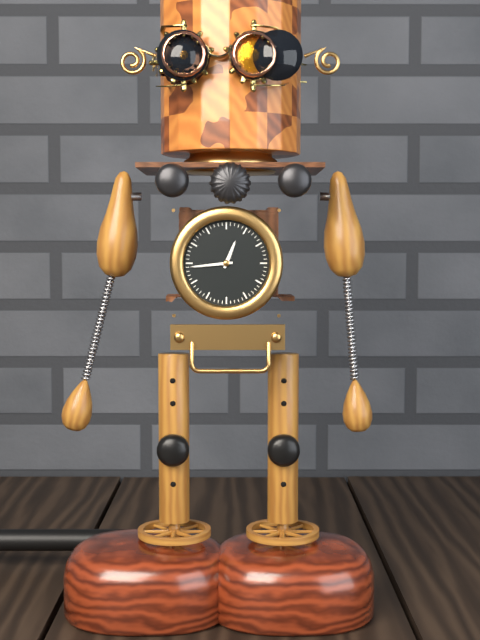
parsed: **12:44**
